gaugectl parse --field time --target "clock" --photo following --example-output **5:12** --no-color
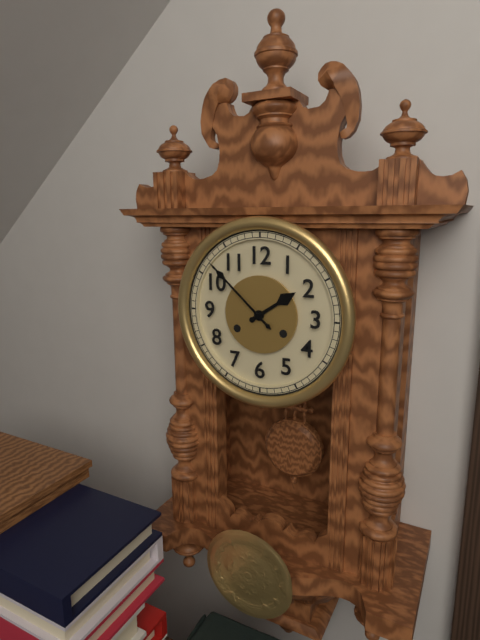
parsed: **1:52**
